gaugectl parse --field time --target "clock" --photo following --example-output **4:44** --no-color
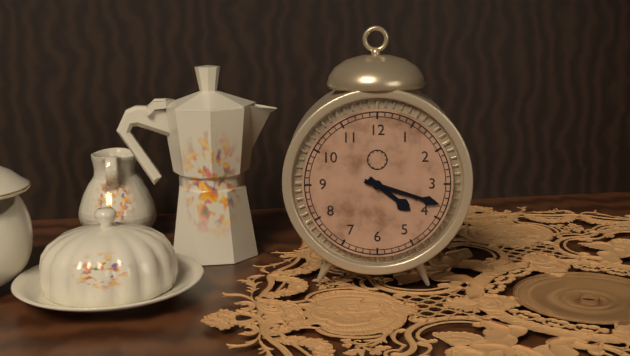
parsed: **4:18**
